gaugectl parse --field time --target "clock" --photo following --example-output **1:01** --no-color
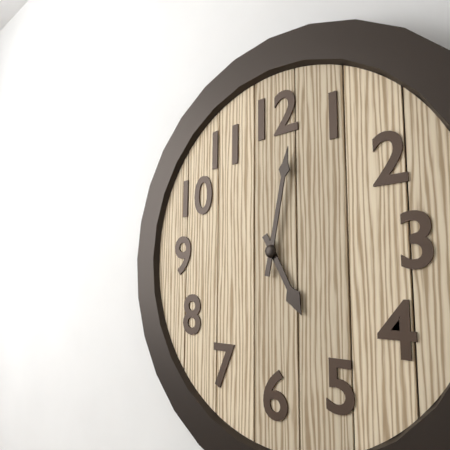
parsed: **5:02**
